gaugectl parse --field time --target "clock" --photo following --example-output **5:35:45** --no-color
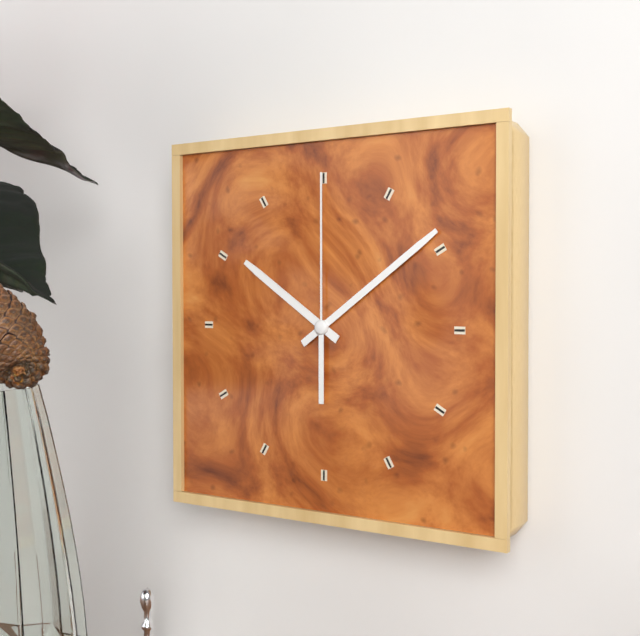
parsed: **10:09:00**
